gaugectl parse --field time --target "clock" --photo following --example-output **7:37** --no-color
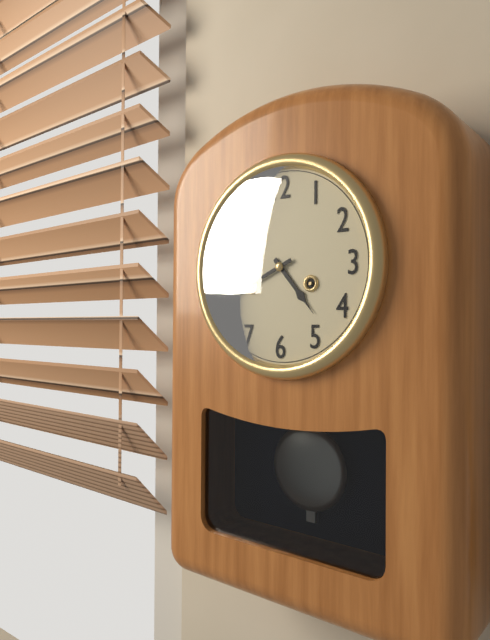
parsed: **4:41**
